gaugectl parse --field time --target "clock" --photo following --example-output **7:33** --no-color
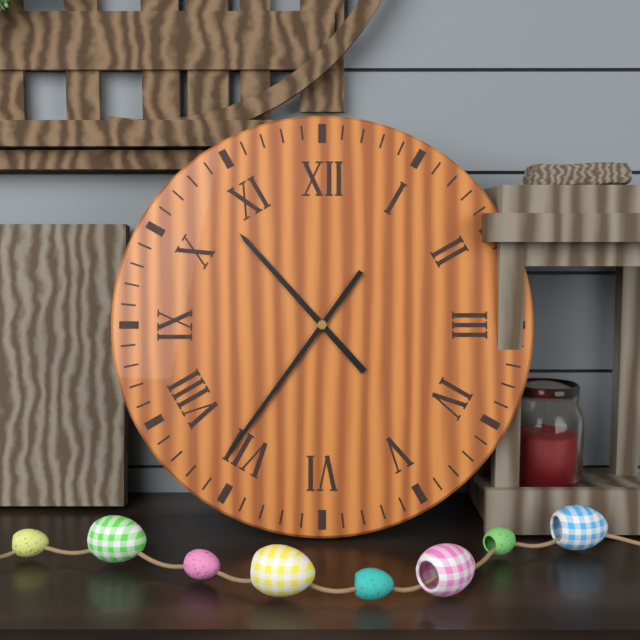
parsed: **10:36**
